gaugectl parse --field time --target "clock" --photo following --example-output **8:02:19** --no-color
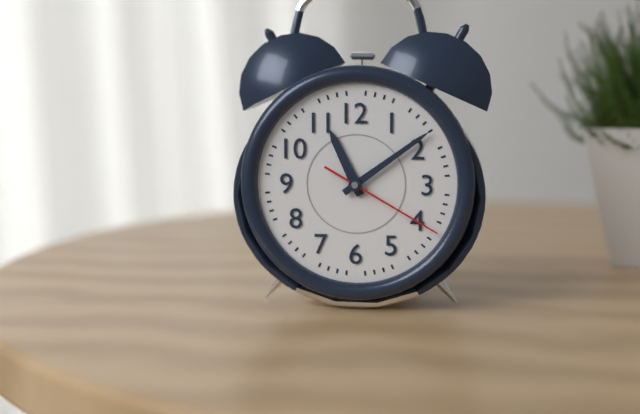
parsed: **11:09:20**
